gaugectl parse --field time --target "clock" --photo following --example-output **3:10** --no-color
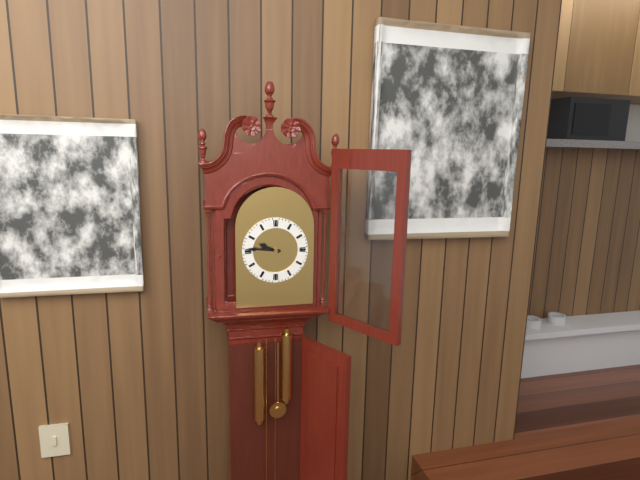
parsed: **9:46**
